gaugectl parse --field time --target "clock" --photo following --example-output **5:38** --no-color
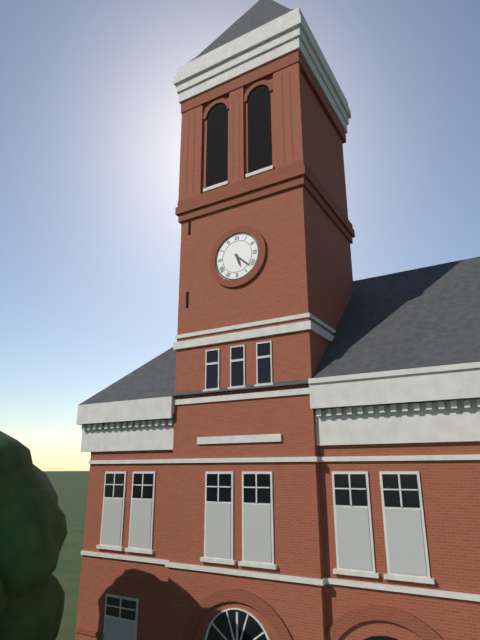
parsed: **5:22**
